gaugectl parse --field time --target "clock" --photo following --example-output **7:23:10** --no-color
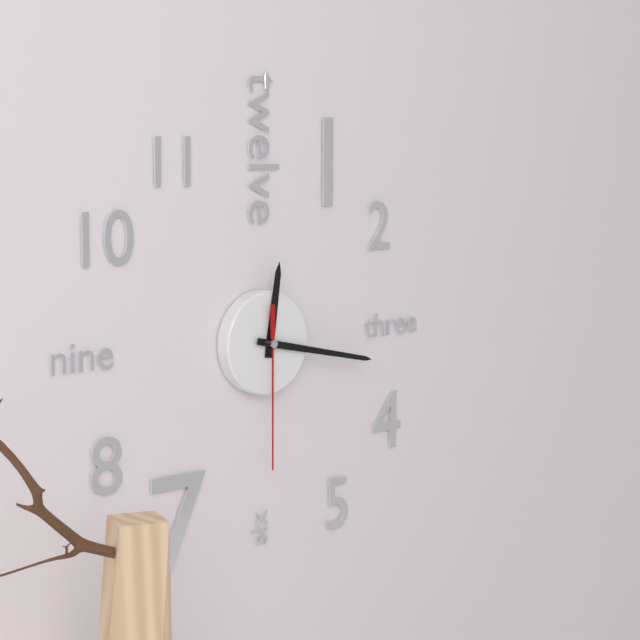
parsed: **12:17:30**
